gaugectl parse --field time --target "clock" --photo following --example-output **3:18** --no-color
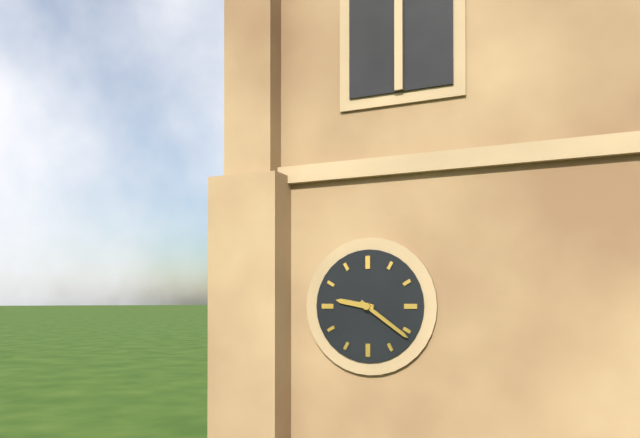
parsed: **9:21**
